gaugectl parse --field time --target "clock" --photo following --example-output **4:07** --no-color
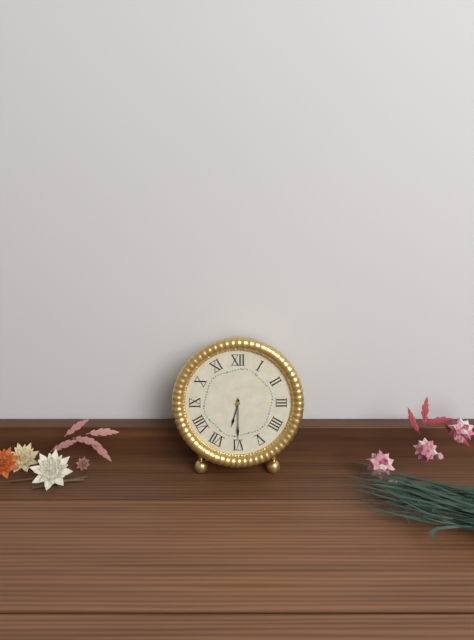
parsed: **6:30**
